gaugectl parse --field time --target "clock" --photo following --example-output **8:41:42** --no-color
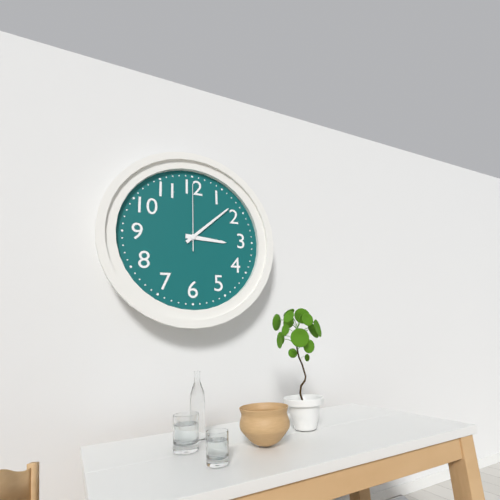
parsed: **3:08:00**
